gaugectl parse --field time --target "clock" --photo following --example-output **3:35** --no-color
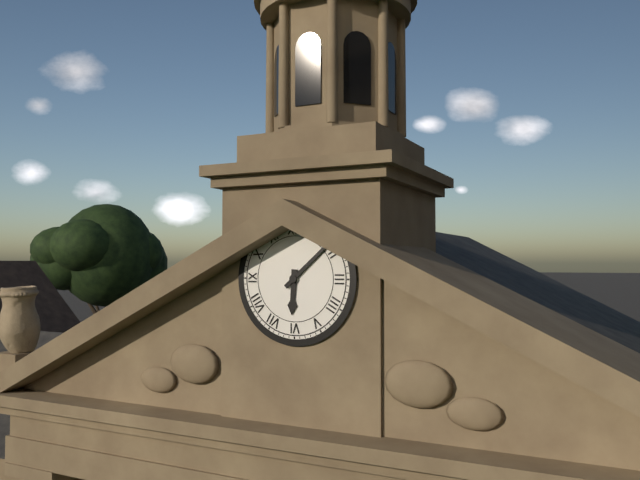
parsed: **6:08**
